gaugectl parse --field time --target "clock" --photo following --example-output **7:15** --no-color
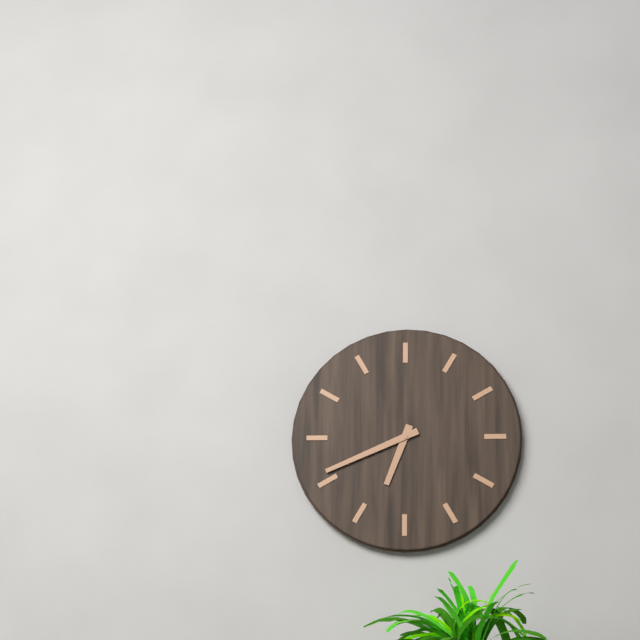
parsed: **6:41**
